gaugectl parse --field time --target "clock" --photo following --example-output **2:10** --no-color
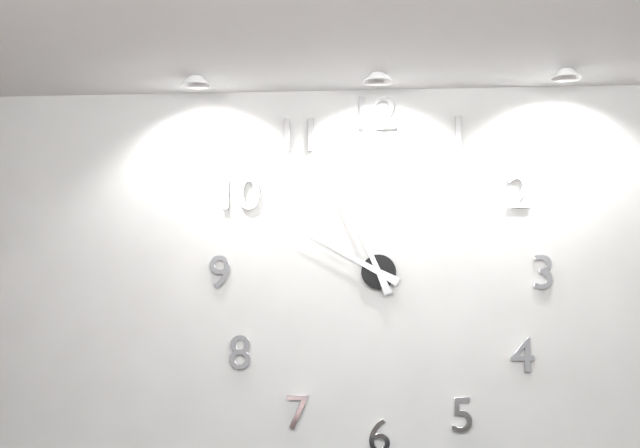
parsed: **9:56**
